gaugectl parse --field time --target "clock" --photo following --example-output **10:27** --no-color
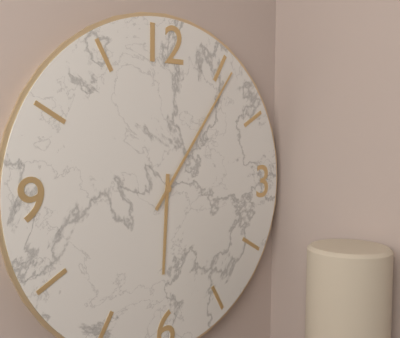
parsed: **6:06**
